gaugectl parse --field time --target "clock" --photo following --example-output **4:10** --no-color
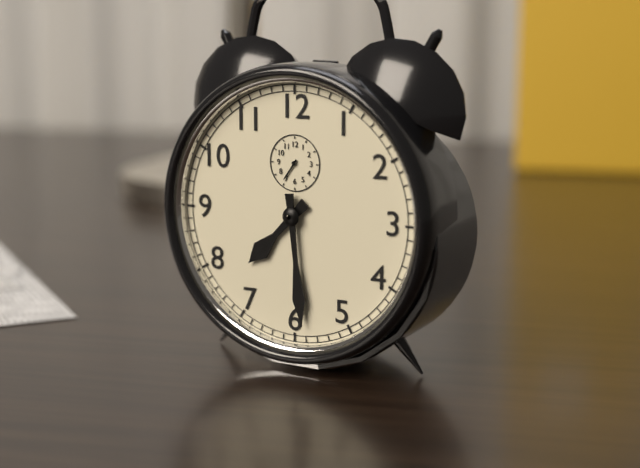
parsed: **7:29**
